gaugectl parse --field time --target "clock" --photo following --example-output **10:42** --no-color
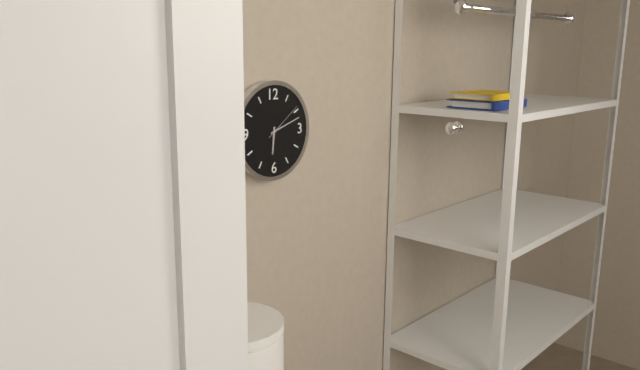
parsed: **6:12**
